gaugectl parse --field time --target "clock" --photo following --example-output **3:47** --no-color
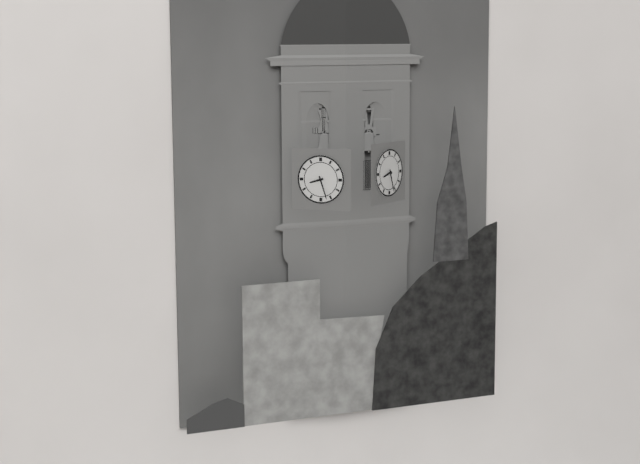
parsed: **8:27**
